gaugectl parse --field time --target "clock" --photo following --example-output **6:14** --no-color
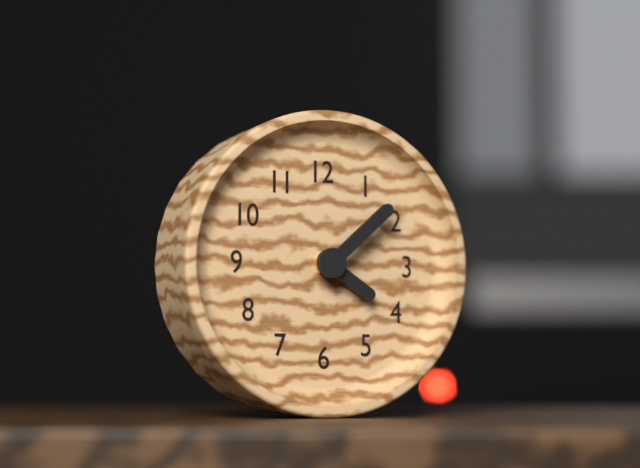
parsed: **4:08**
